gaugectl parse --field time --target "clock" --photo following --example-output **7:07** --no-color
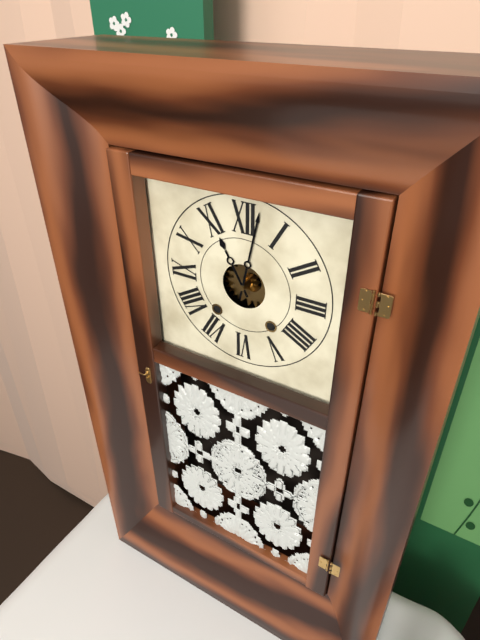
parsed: **11:02**
